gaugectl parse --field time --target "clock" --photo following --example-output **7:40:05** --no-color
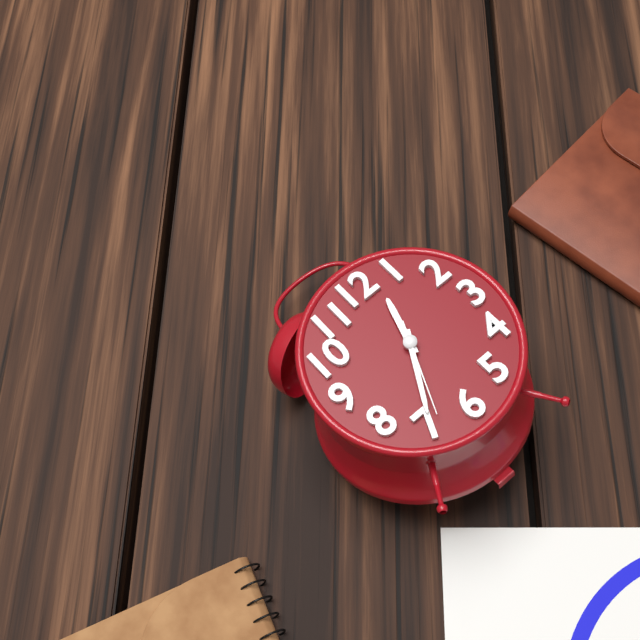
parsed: **12:35:34**
